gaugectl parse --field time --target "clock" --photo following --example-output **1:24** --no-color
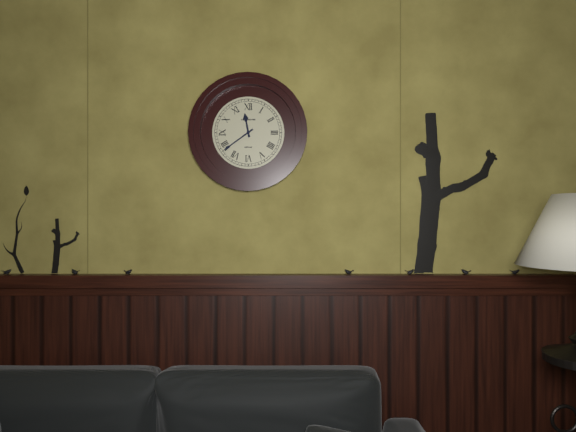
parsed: **11:39**
